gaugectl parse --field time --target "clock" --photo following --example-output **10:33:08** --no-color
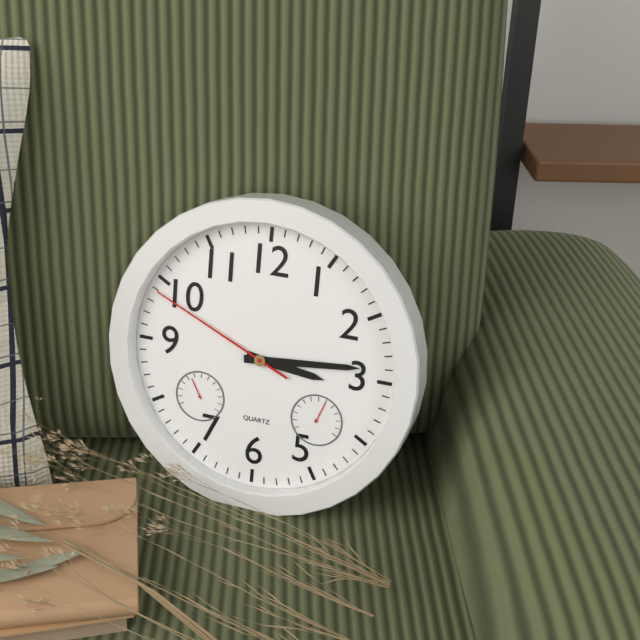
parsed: **3:14:49**
